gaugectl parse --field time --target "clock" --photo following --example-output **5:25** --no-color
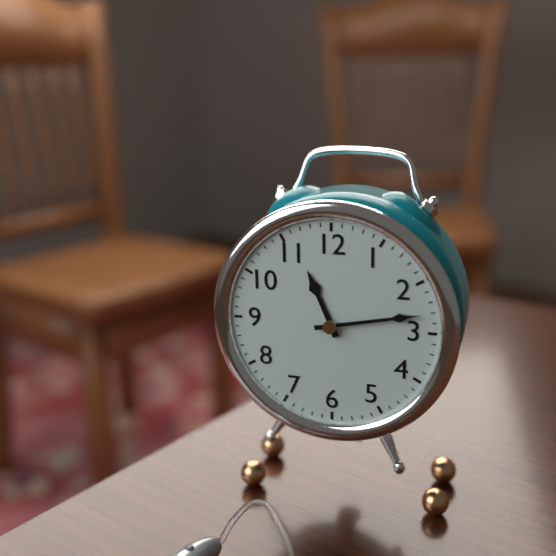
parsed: **11:13**
